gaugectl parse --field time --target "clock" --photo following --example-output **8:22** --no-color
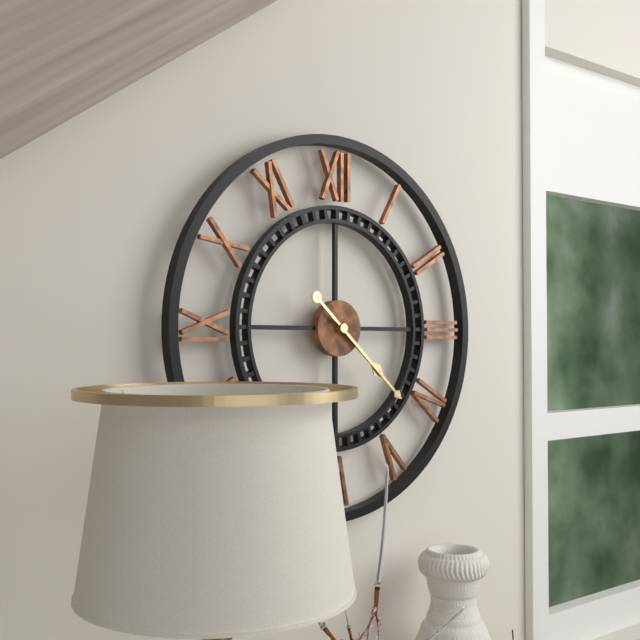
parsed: **4:22**
